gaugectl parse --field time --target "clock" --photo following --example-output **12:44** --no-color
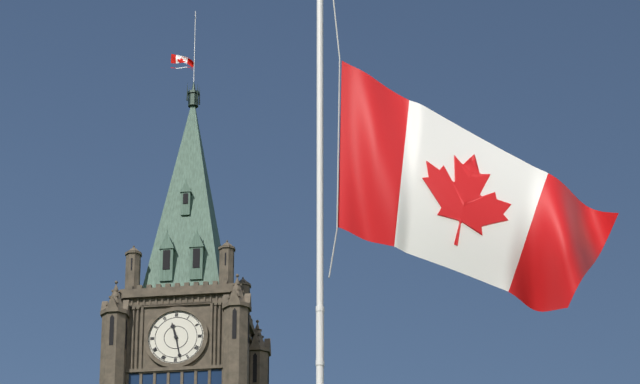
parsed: **11:28**
